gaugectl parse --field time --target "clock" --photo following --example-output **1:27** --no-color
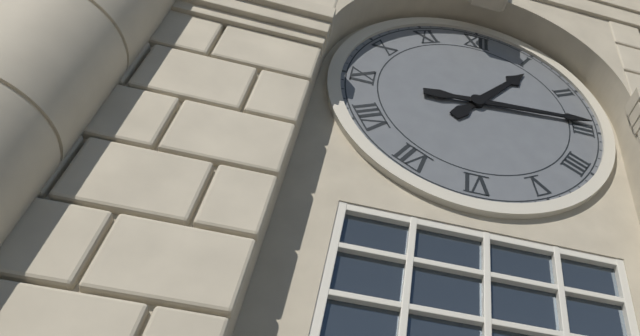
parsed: **1:14**
